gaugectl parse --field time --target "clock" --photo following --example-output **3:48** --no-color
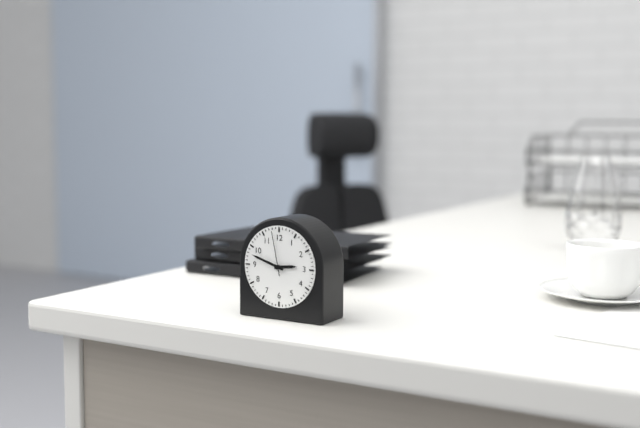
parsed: **2:48**
